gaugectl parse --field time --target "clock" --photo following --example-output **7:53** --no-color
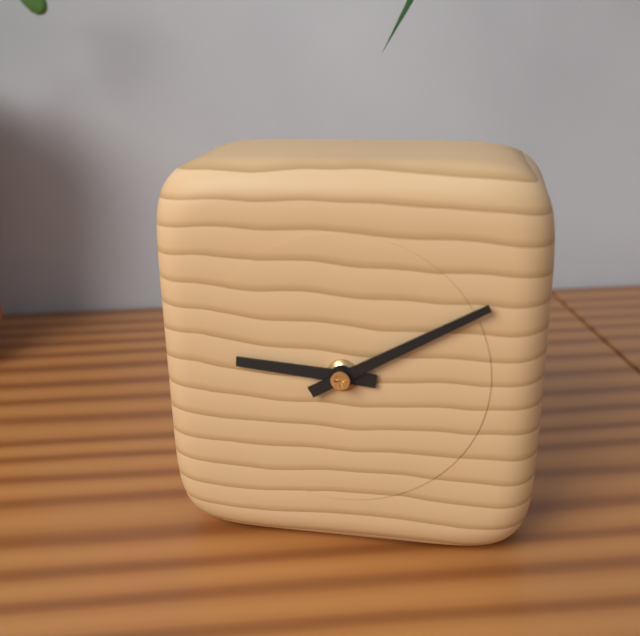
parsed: **9:10**
